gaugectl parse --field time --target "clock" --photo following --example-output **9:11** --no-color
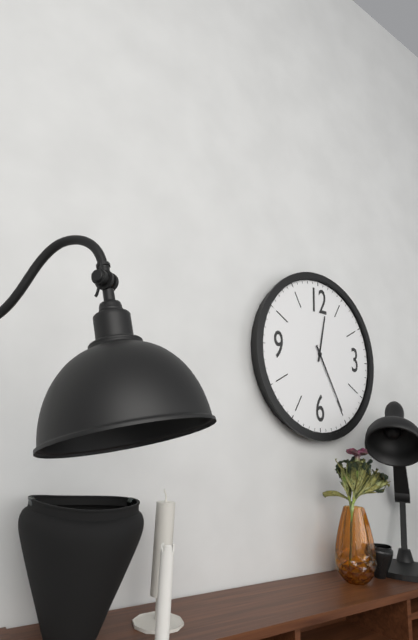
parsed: **12:25**
